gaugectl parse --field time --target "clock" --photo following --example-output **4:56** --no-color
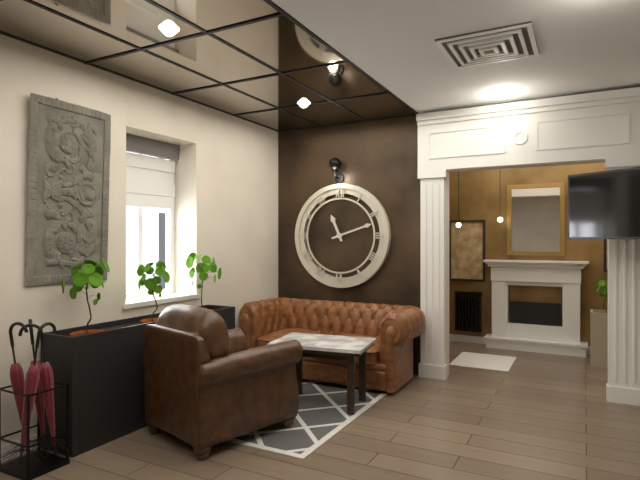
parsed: **11:12**
